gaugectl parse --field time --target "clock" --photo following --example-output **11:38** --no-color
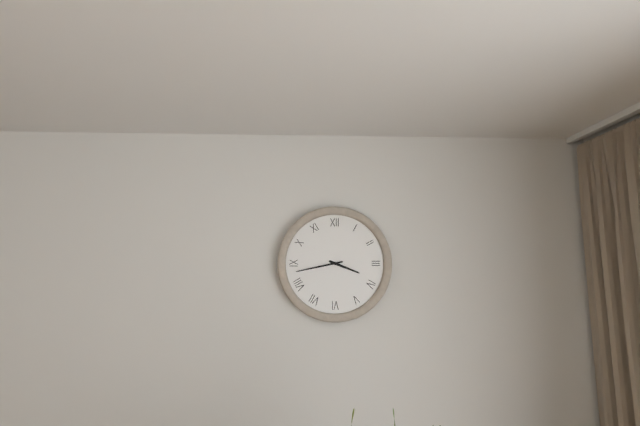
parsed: **3:43**
